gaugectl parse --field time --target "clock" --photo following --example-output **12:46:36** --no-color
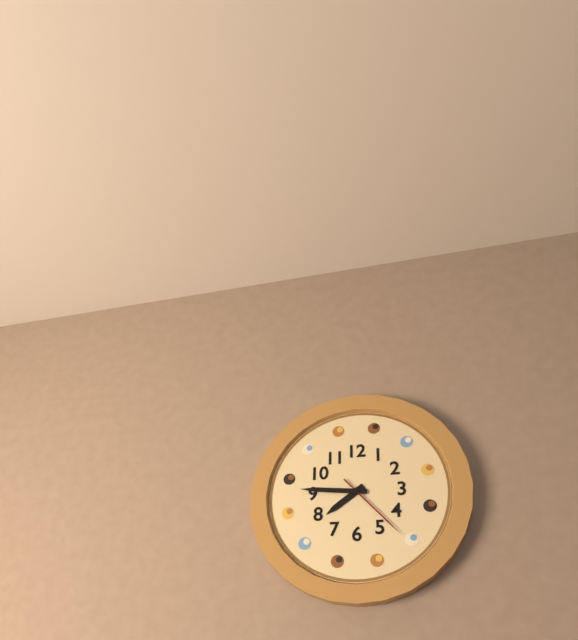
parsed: **7:46:23**
